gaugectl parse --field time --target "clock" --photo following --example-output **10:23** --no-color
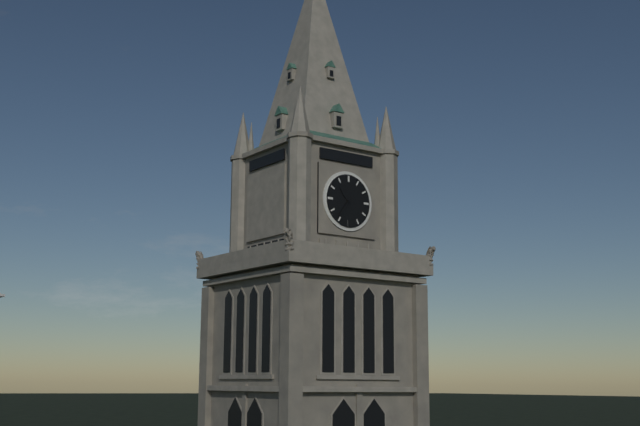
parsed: **10:36**
